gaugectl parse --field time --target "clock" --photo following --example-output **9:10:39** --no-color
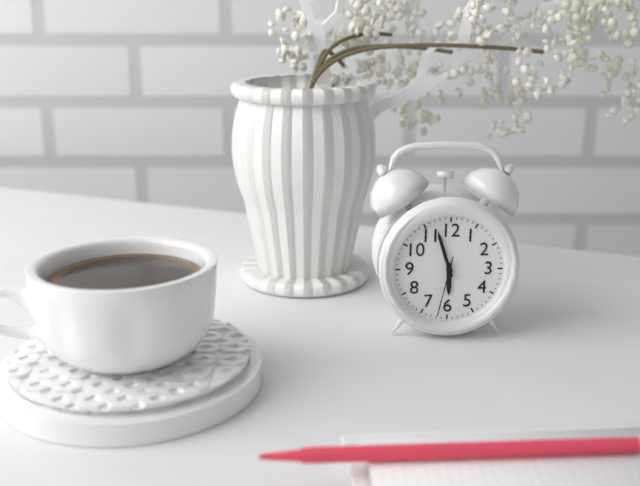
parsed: **5:57:32**
